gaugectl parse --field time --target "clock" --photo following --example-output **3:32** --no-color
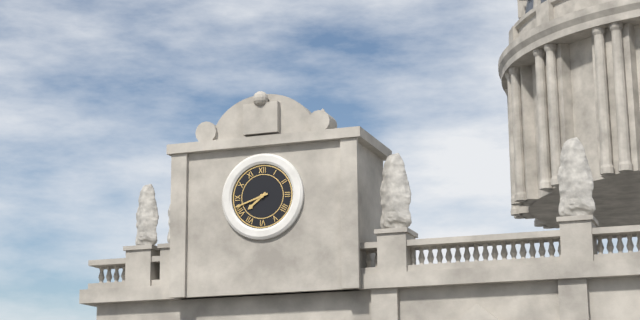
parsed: **7:42**
